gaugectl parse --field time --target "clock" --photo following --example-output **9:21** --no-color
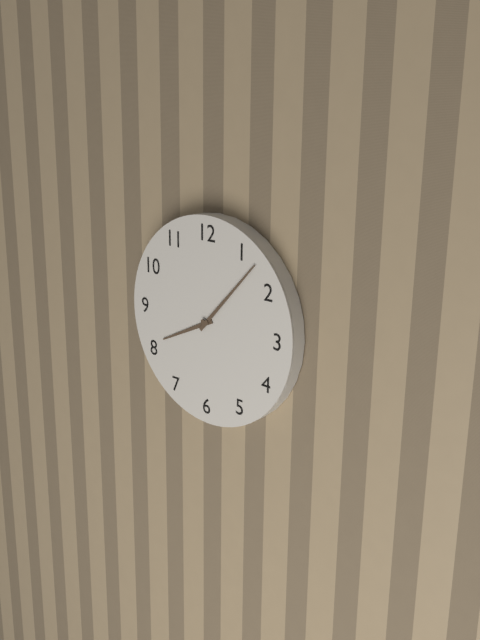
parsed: **8:07**
